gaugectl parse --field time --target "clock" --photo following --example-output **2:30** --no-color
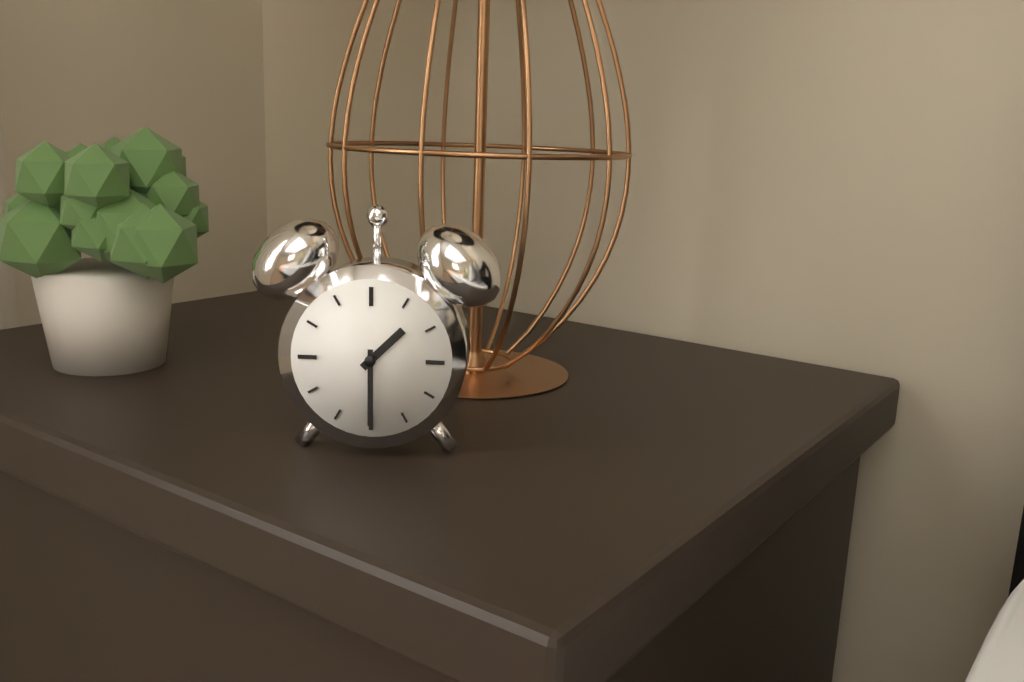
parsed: **1:30**
